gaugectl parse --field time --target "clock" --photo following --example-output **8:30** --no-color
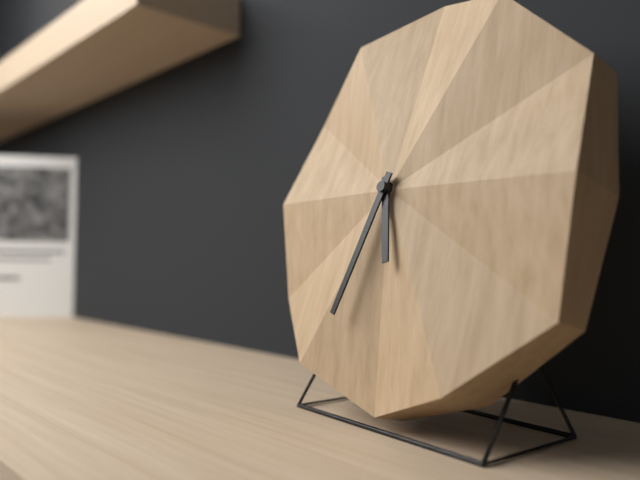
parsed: **5:33**
